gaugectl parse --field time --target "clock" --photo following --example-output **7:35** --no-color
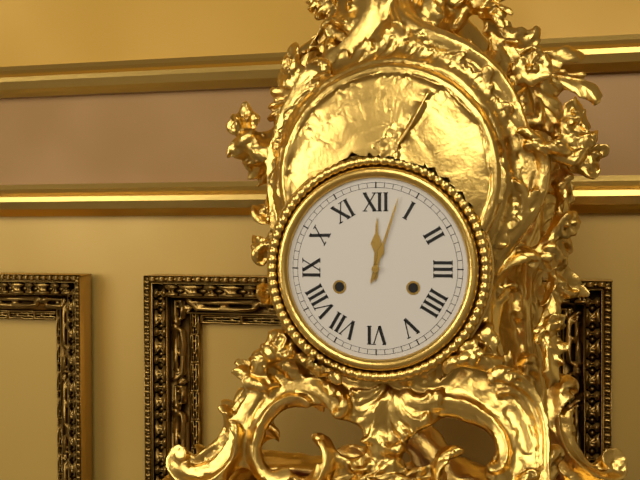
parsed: **12:03**
